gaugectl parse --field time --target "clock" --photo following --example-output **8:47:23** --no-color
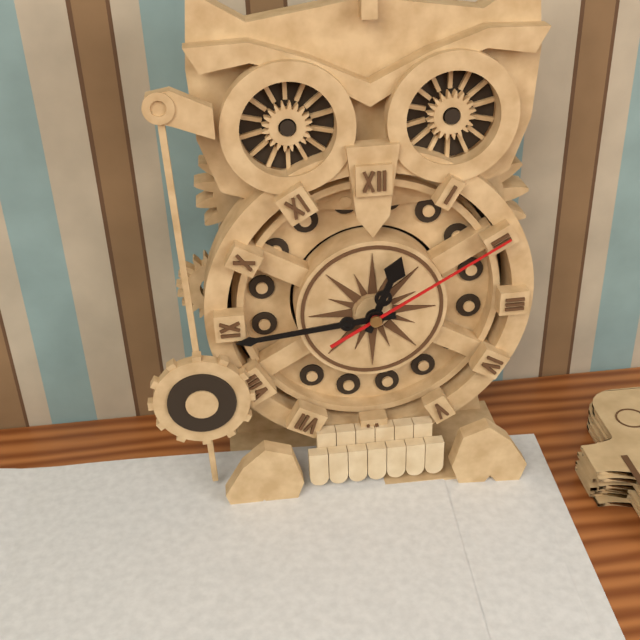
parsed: **12:44:10**
